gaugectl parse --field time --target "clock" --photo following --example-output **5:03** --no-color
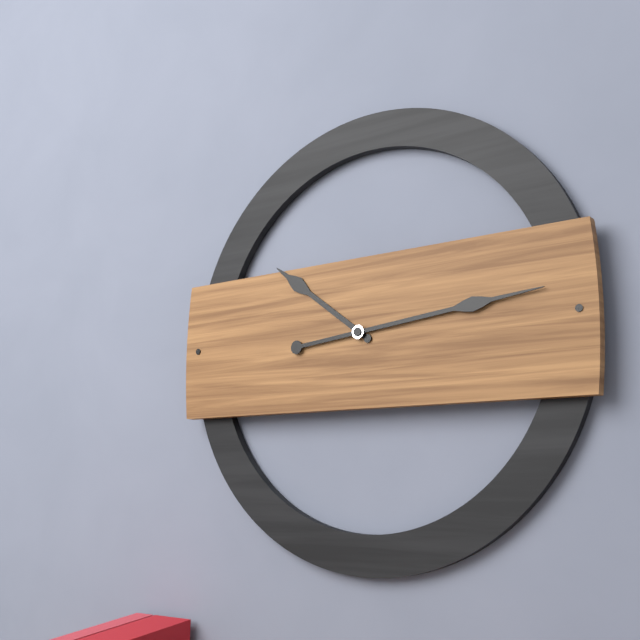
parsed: **10:14**
